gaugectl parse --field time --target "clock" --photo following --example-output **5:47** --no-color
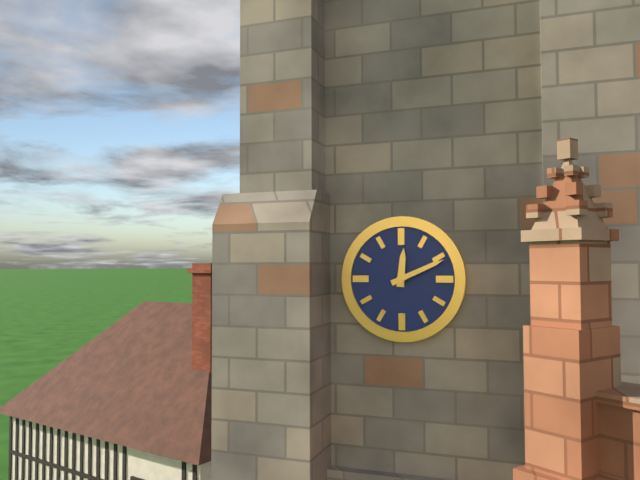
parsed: **12:11**
